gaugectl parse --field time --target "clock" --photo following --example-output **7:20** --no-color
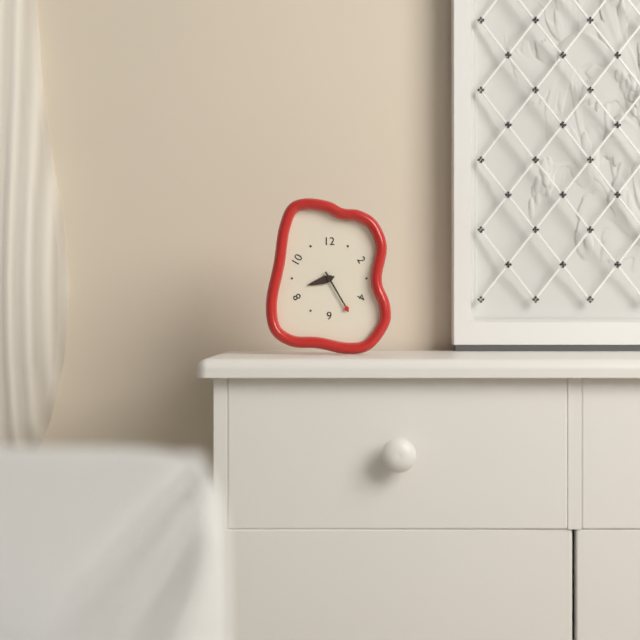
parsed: **8:25**
